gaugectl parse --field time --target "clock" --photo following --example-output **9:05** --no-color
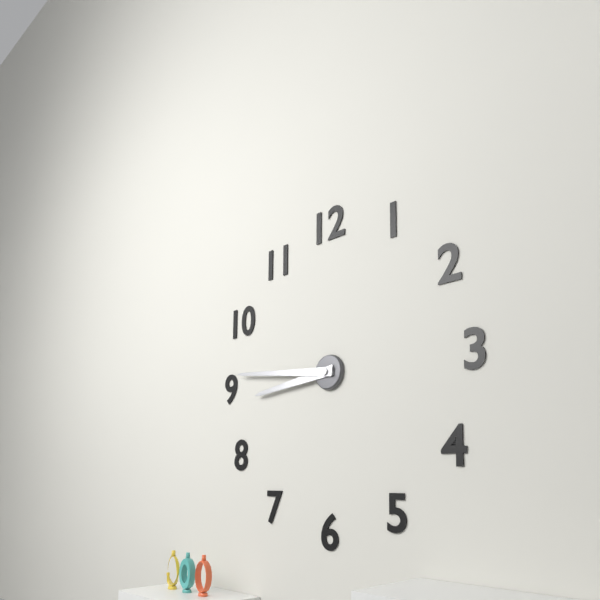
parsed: **8:46**
